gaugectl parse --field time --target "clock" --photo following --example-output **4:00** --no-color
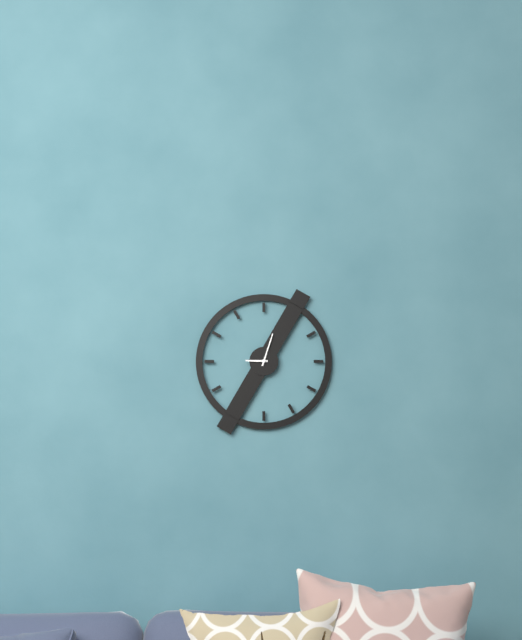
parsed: **9:03**
